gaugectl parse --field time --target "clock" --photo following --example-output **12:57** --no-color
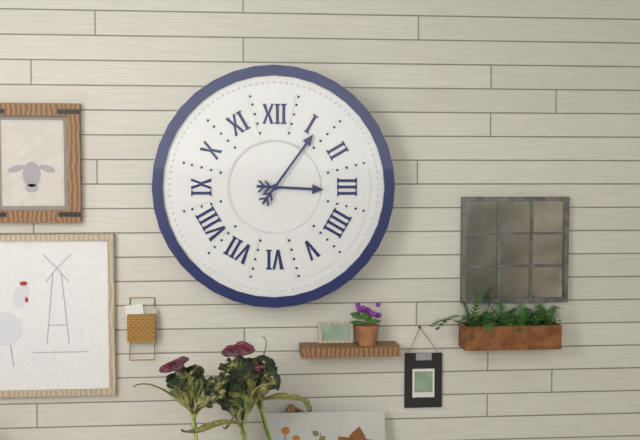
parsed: **3:06**
